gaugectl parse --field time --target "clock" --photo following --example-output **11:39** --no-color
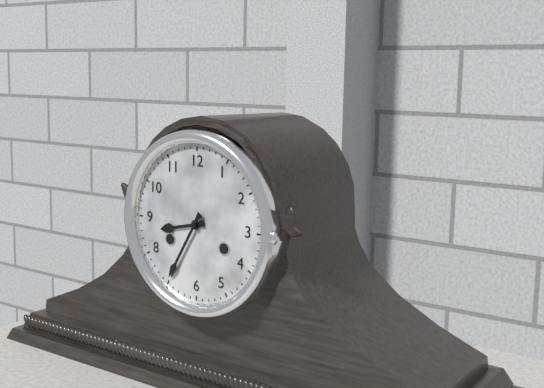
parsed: **8:35**
